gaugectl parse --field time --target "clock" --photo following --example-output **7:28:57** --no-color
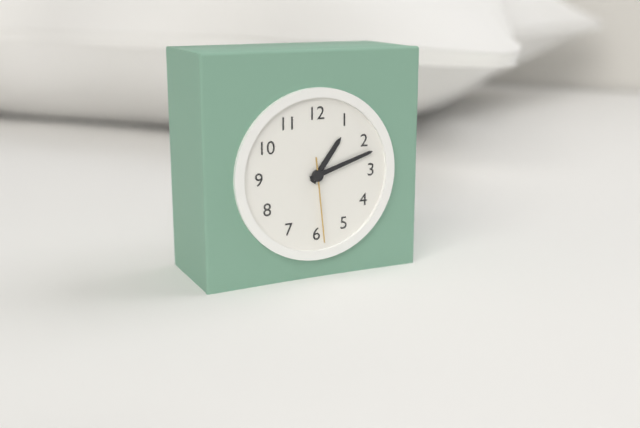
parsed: **1:12:29**
